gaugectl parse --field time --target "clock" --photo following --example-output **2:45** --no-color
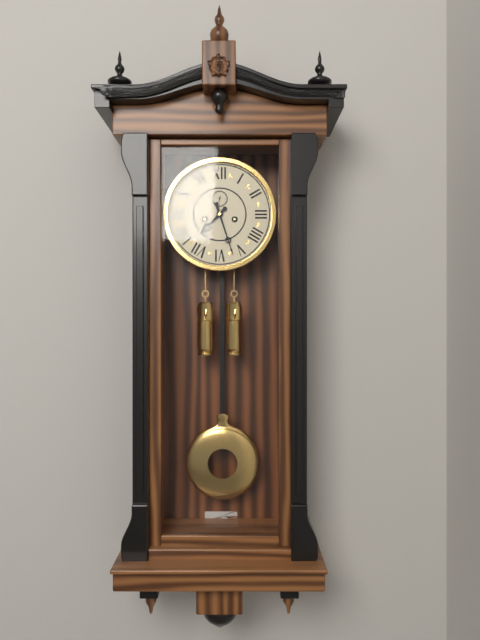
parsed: **7:27**
